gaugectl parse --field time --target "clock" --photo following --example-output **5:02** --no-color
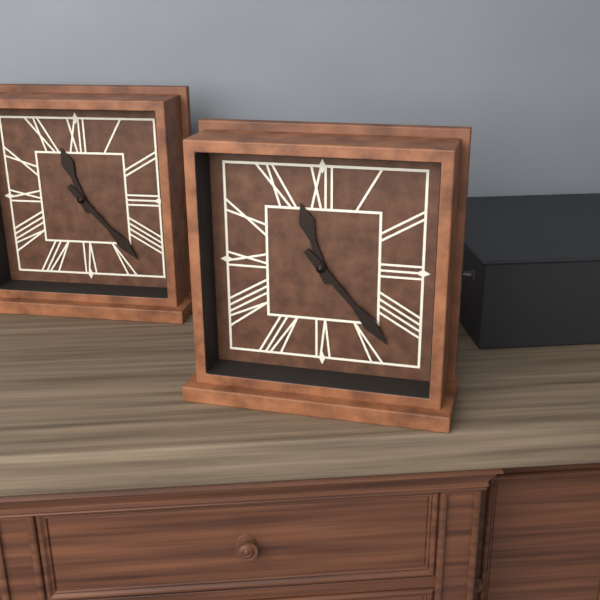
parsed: **11:23**
